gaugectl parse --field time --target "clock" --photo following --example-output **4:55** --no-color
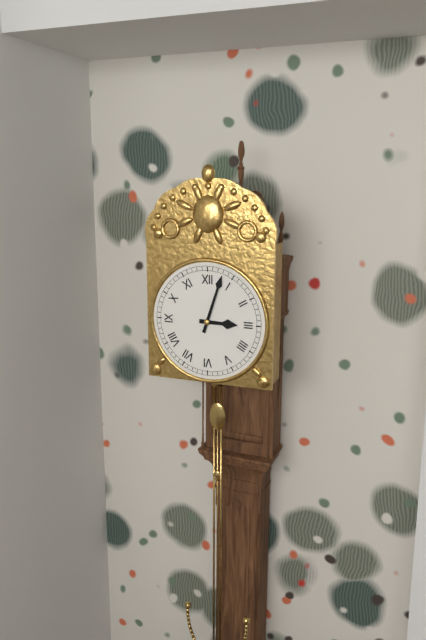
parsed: **3:03**
